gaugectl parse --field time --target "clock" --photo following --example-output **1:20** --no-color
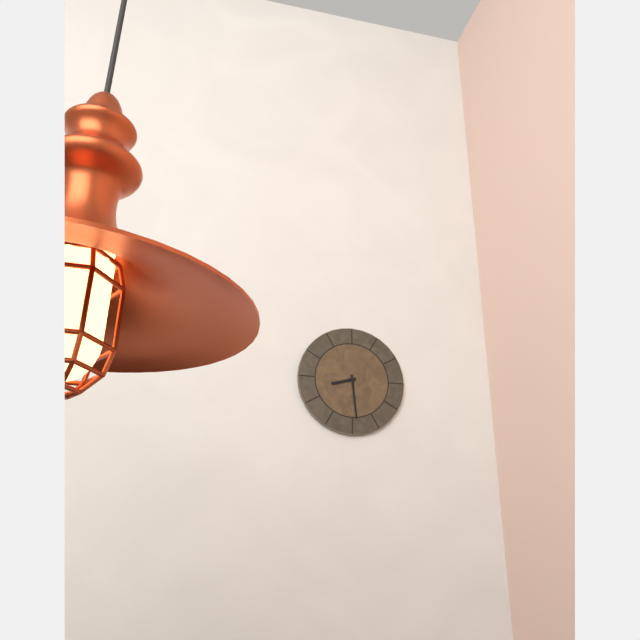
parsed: **8:29**
